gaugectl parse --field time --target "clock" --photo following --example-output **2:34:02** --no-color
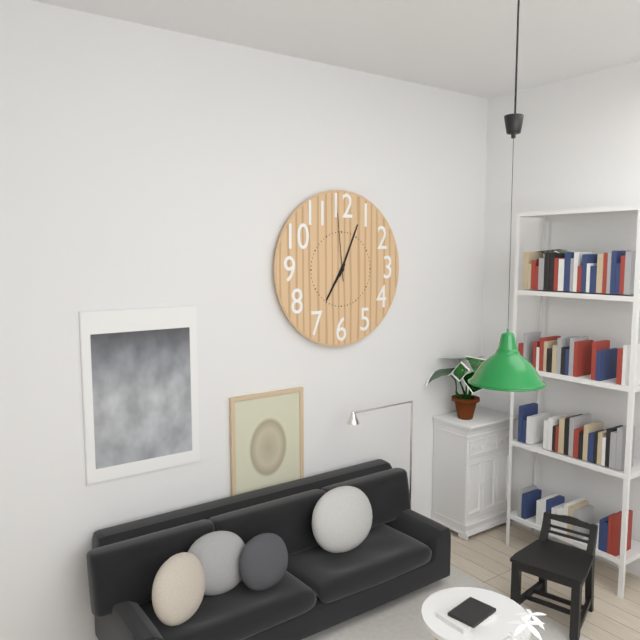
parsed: **7:04:59**
